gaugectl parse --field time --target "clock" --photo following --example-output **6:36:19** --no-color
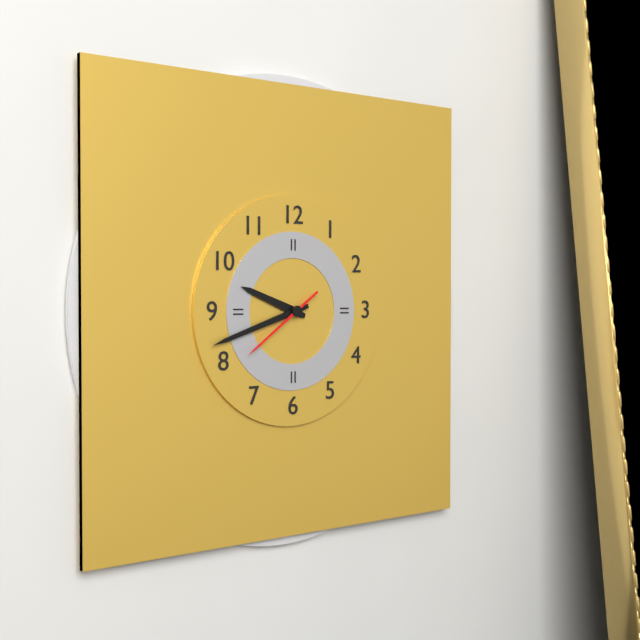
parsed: **9:42:39**
